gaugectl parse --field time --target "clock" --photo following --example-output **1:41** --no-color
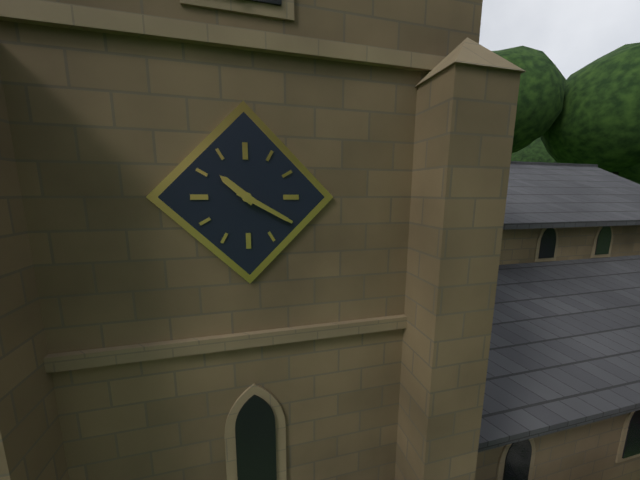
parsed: **10:20**
